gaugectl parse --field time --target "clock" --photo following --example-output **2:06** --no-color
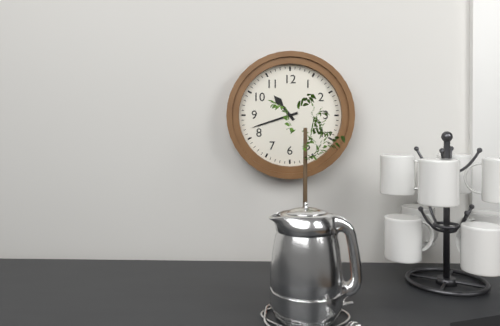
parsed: **10:42**
